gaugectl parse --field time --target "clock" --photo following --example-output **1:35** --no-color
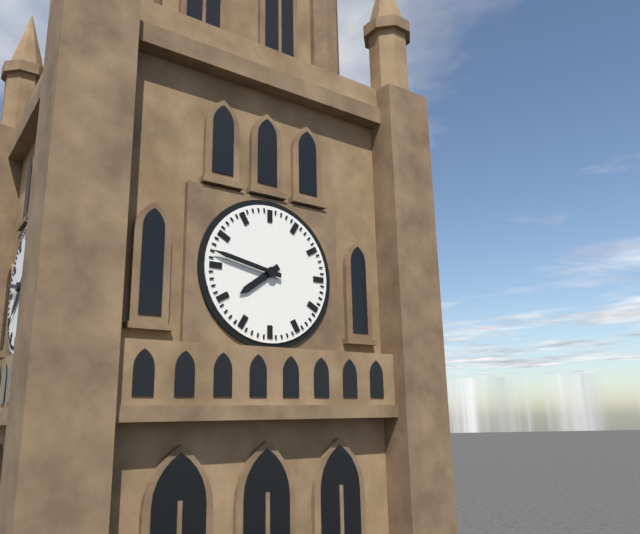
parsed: **7:47**
